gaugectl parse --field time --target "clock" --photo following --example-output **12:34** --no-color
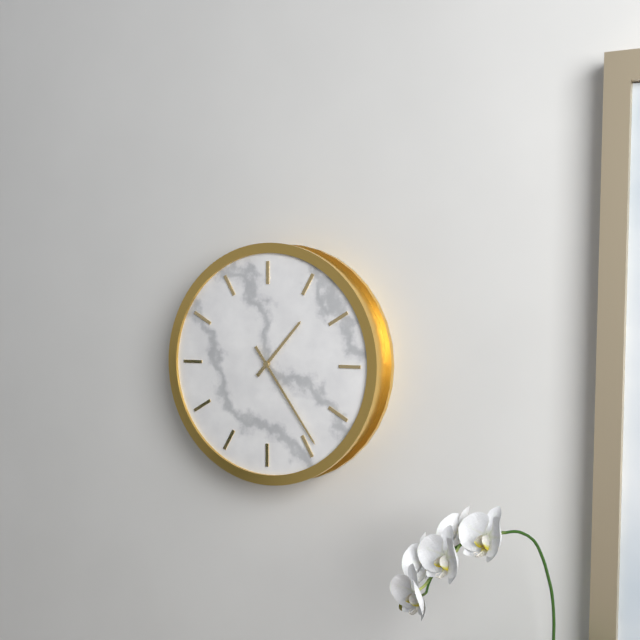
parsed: **1:24**
